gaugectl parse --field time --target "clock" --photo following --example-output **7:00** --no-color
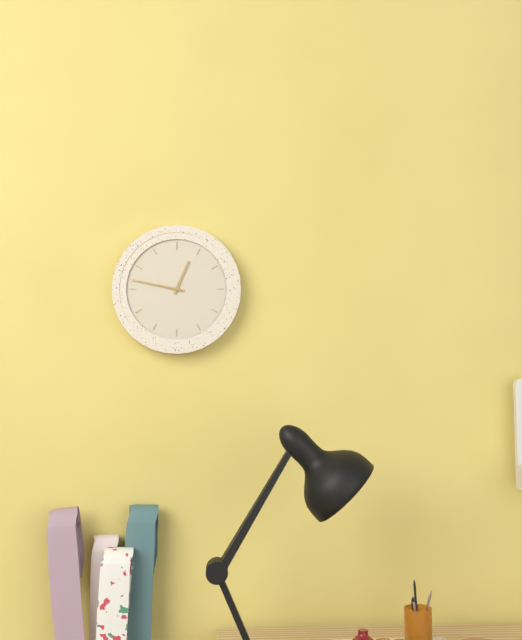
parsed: **12:47**
